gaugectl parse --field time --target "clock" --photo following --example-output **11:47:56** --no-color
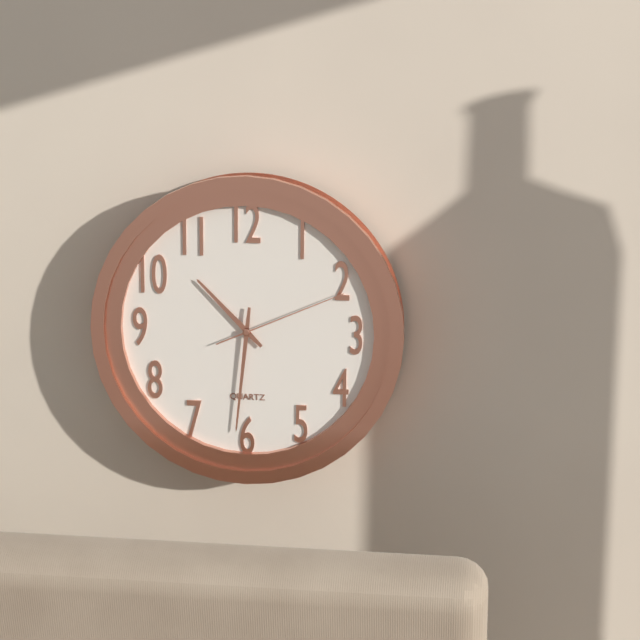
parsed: **10:31:11**
